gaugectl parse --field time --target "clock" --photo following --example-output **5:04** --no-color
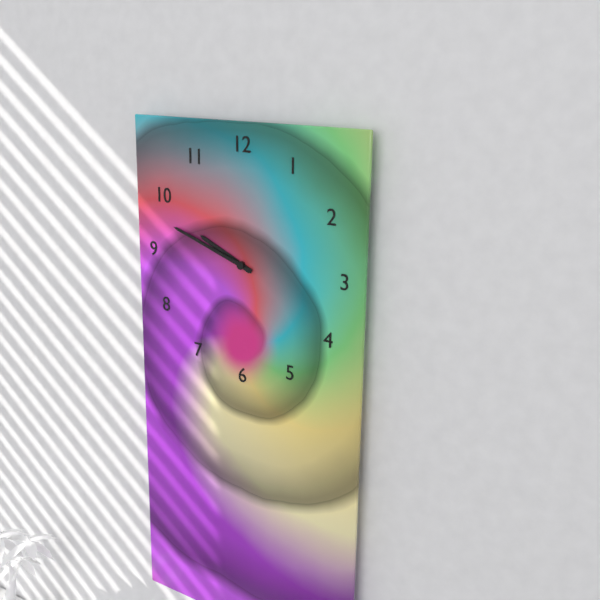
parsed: **9:48**
